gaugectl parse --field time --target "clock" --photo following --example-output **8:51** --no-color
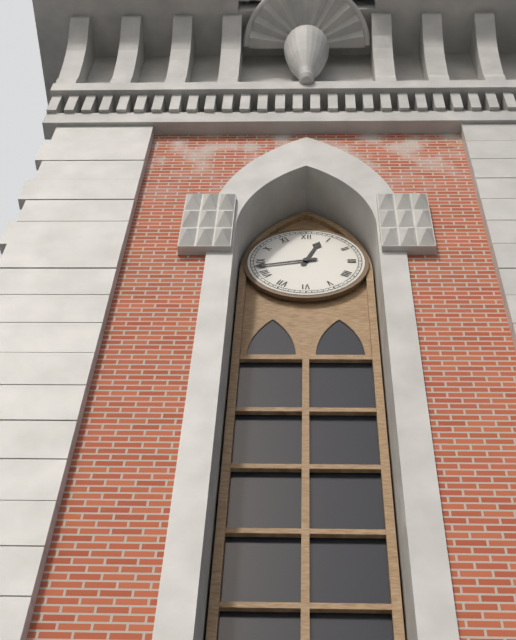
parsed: **12:43**
